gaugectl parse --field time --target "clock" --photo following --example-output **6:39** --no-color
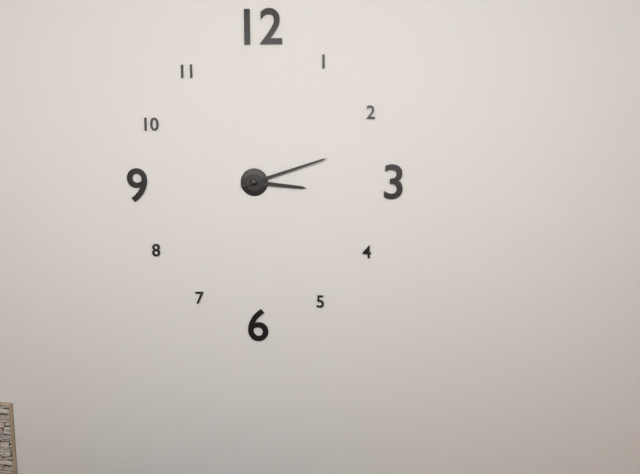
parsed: **3:12**
